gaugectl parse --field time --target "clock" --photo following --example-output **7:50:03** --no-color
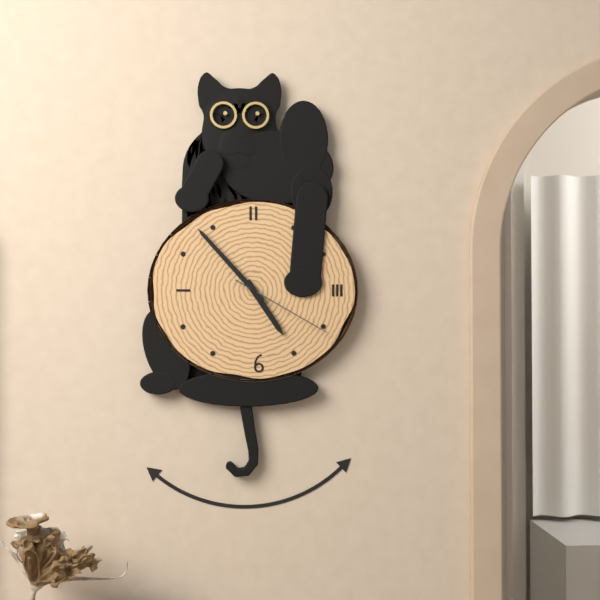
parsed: **4:53:20**
